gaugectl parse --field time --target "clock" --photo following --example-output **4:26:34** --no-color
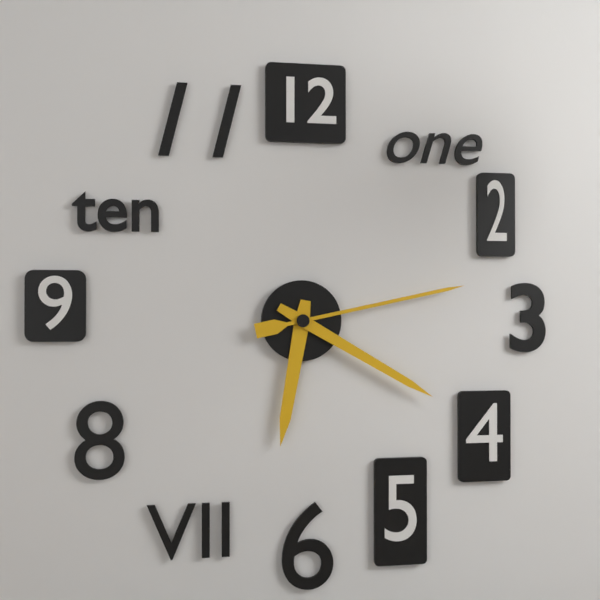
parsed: **6:20:13**
